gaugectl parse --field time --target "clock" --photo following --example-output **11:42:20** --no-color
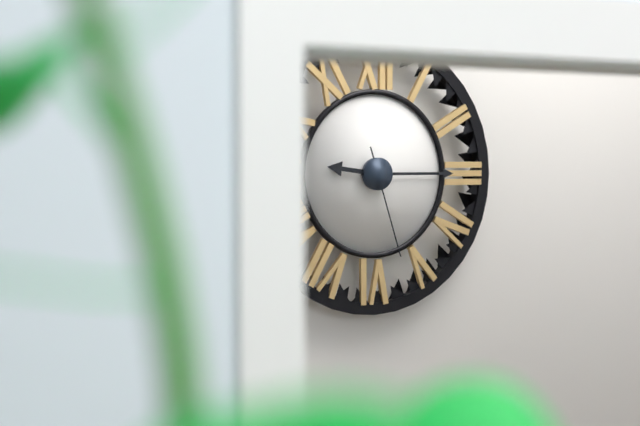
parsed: **9:15:27**
